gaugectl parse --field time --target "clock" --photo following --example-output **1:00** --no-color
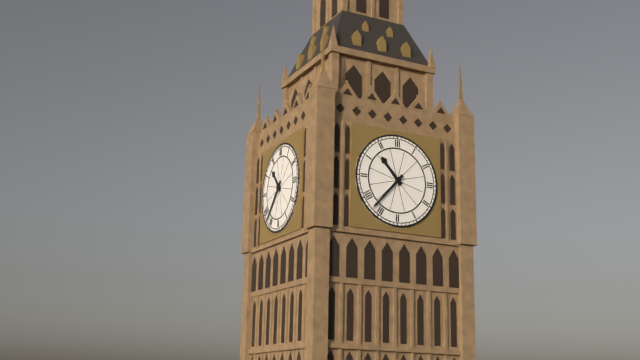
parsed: **10:37**
